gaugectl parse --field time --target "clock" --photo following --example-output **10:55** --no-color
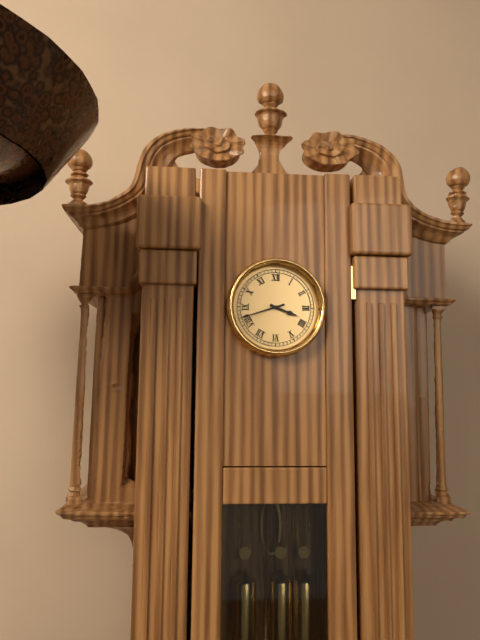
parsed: **3:42**
